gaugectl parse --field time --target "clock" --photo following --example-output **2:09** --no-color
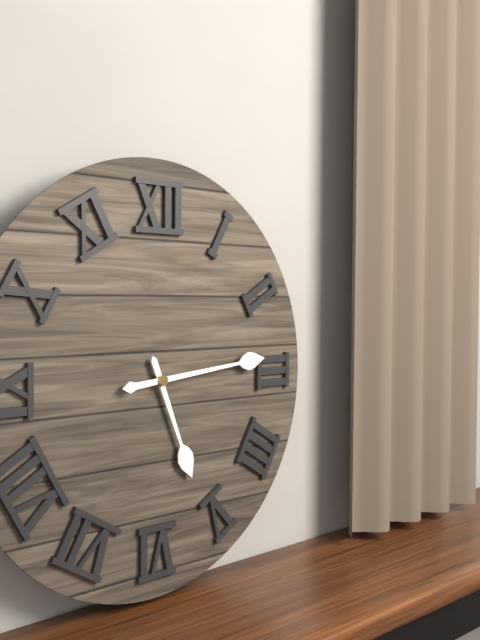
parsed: **5:14**
